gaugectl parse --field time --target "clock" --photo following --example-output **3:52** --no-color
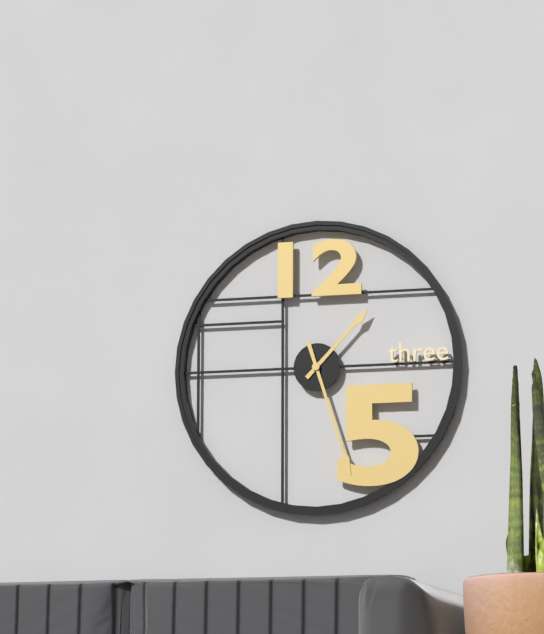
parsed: **1:27**
